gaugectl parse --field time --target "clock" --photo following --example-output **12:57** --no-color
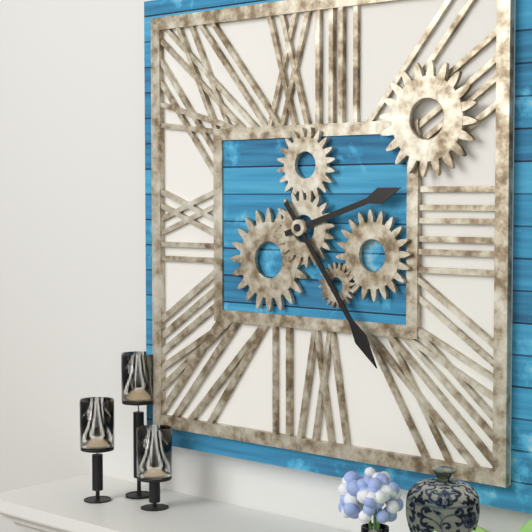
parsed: **2:24**
